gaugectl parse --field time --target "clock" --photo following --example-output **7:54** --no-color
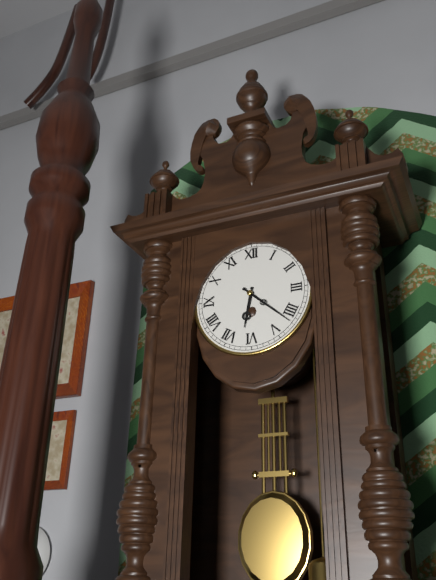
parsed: **6:22**
